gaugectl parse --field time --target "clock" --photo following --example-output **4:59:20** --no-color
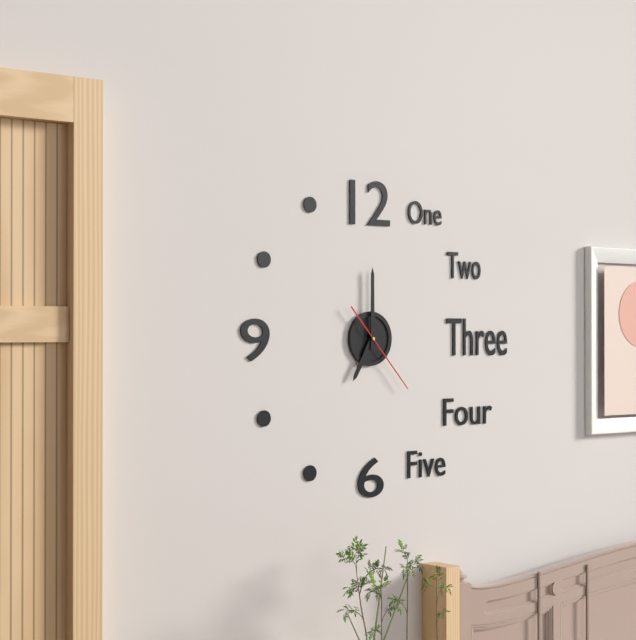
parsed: **7:00:23**
